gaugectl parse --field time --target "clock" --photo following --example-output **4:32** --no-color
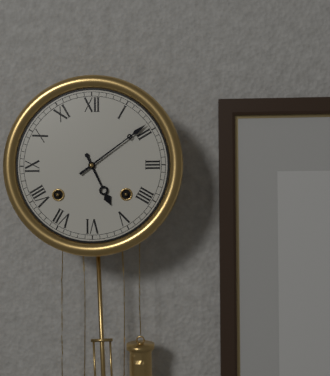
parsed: **5:09**
